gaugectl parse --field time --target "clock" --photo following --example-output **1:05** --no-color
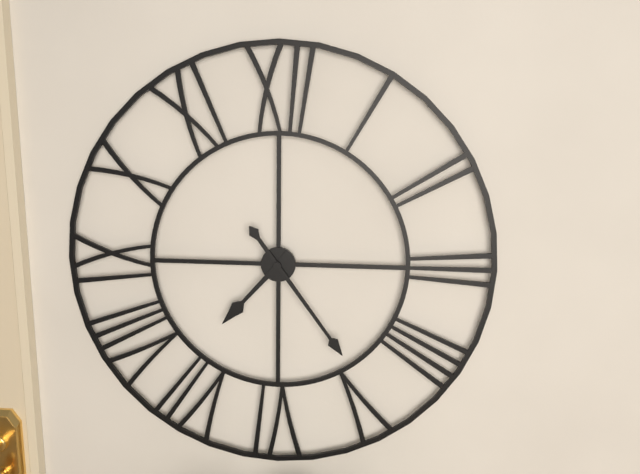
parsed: **7:24**
